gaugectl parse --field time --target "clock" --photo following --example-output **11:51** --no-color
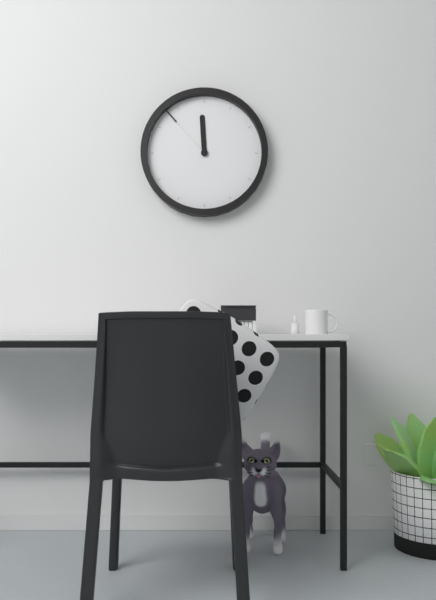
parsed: **11:53**
